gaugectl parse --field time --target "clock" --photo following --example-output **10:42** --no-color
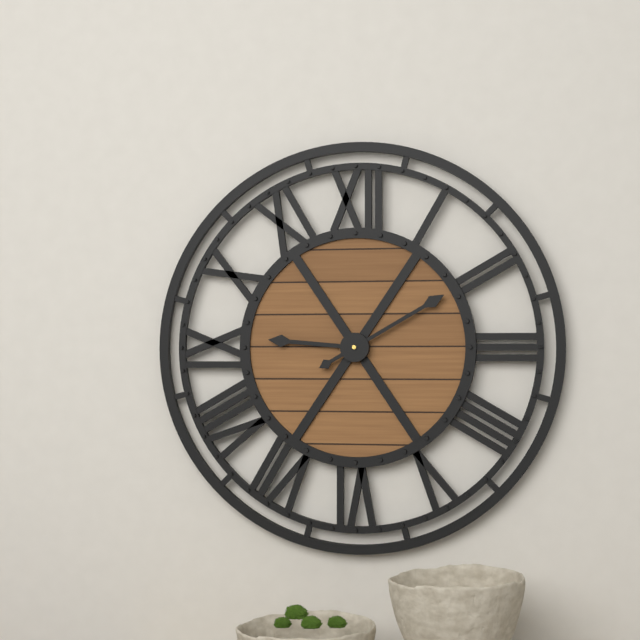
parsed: **9:10**
